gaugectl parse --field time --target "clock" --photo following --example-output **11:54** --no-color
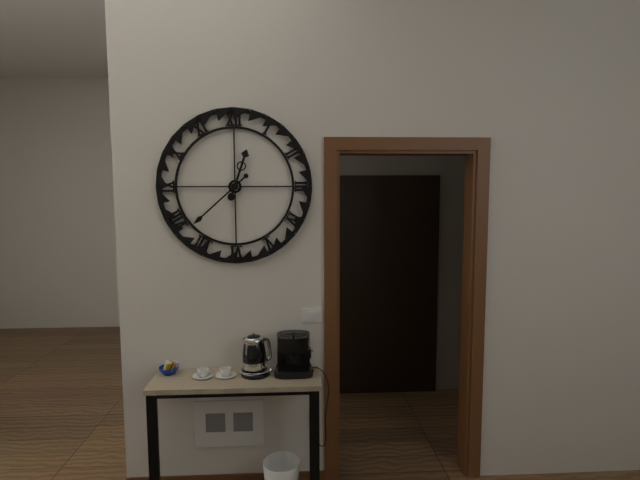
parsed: **12:38**
